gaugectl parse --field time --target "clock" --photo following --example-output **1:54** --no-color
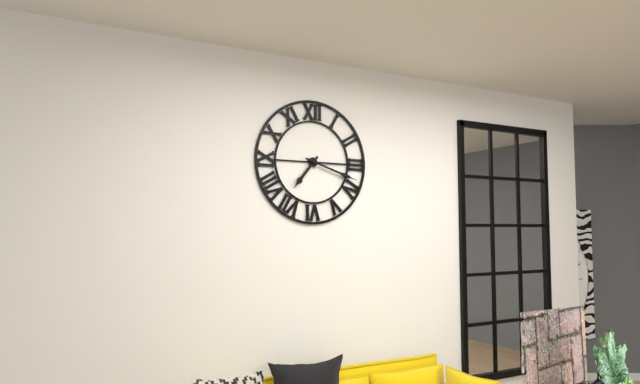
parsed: **7:18**
